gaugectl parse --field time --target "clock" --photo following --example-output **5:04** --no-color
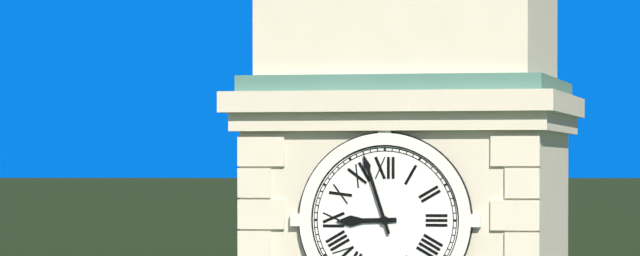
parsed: **8:57**
